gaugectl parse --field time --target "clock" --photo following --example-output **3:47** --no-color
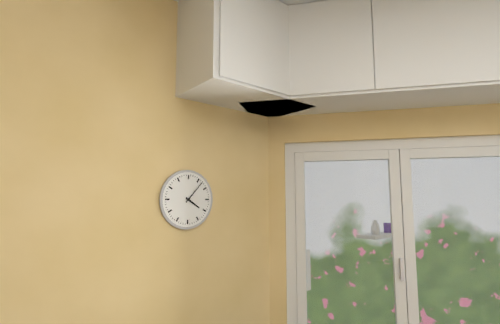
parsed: **4:07**
